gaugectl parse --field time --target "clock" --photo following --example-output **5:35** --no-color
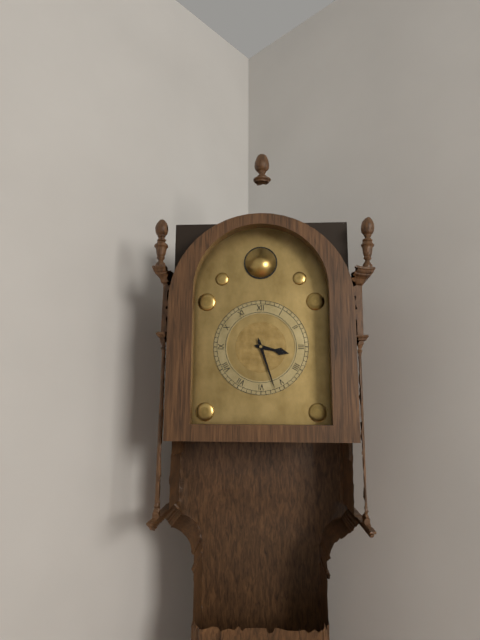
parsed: **3:27**
